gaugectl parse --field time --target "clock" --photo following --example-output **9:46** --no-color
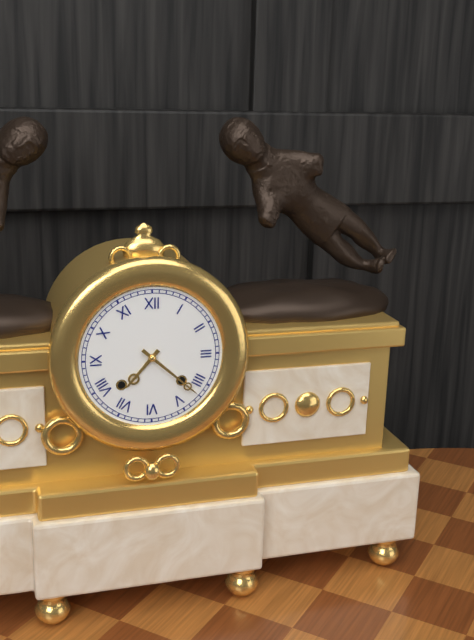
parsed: **7:22**
